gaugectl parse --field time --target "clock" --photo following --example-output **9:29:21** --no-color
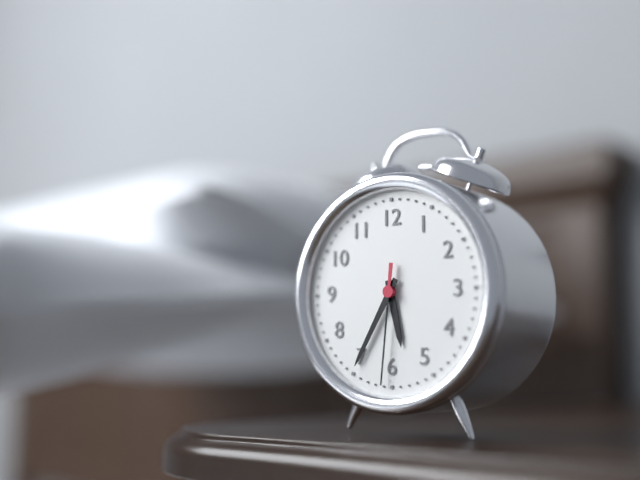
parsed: **5:35:31**
